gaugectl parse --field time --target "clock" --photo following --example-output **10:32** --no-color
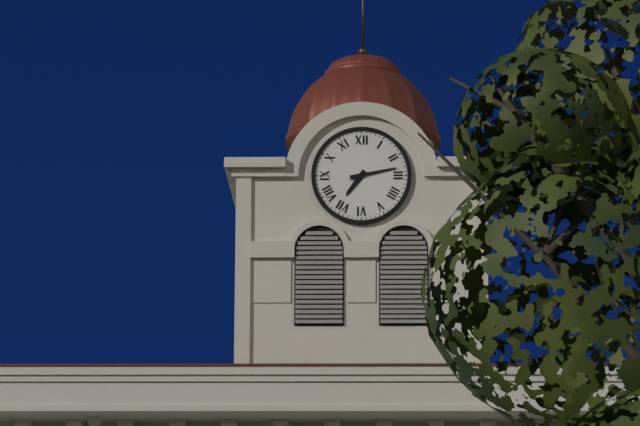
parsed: **7:13**
